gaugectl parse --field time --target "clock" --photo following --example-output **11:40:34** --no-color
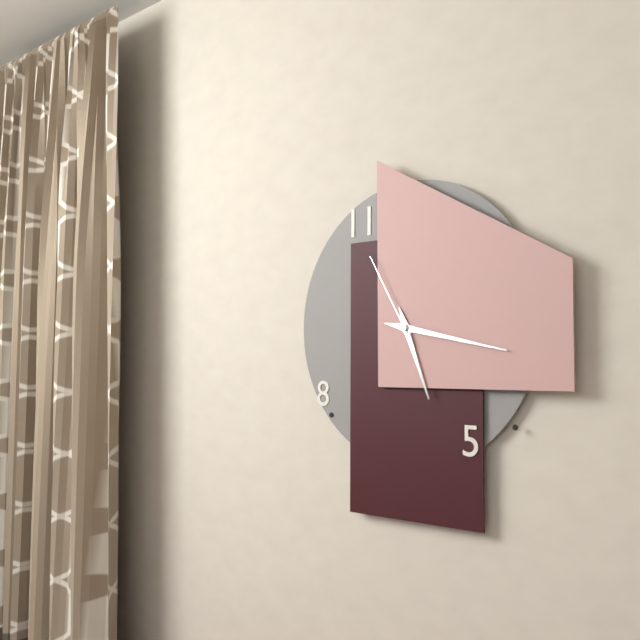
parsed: **5:17:55**
